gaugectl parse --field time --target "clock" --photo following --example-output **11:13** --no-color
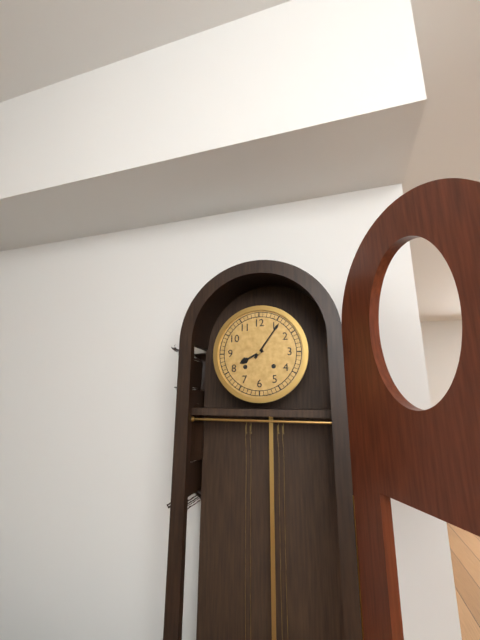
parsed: **8:06**
